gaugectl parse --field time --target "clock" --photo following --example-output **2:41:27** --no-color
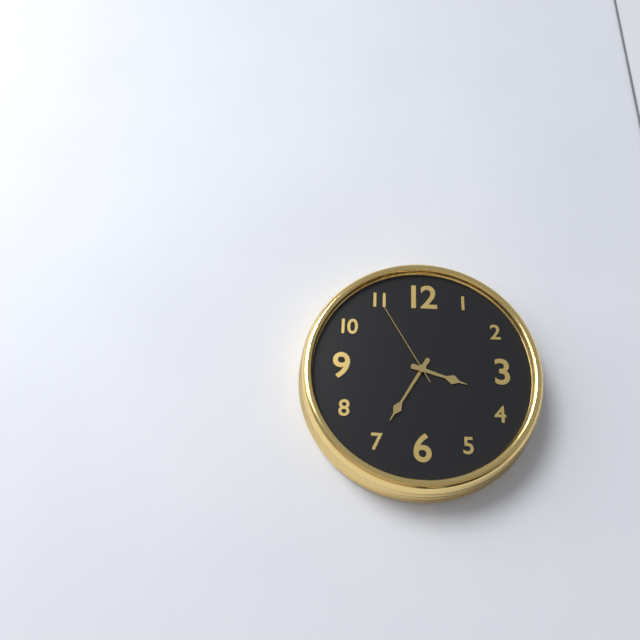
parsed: **3:35:55**
